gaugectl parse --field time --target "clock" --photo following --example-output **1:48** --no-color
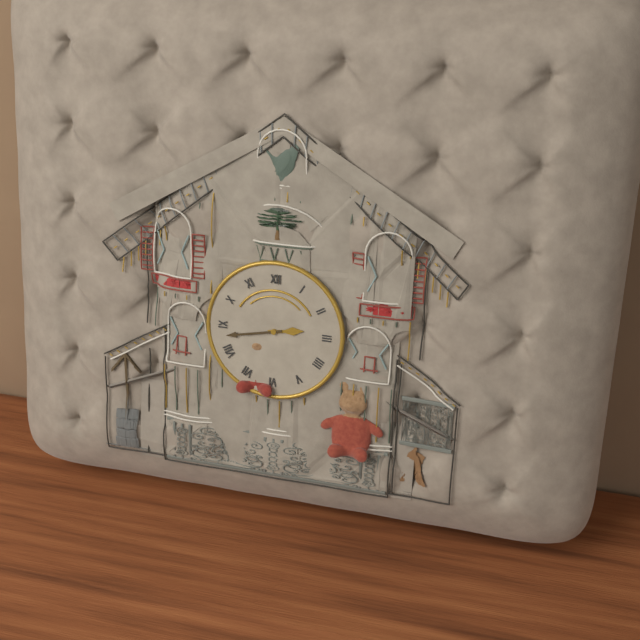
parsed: **2:43**
